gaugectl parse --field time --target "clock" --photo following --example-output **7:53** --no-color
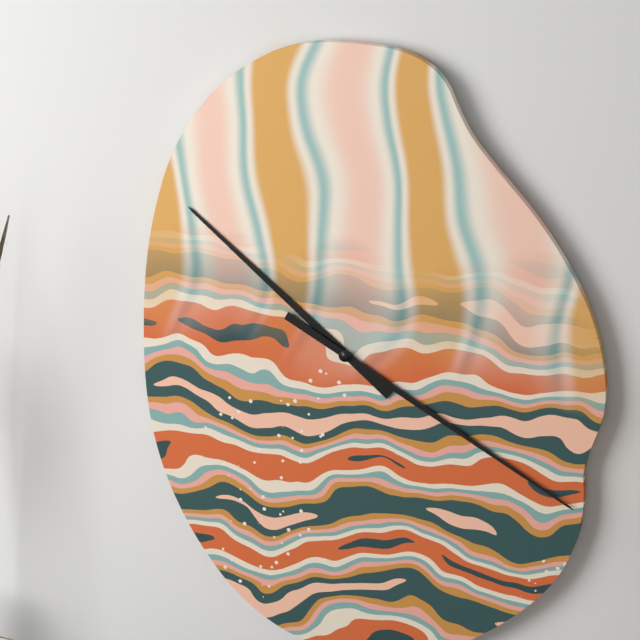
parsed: **10:20**
